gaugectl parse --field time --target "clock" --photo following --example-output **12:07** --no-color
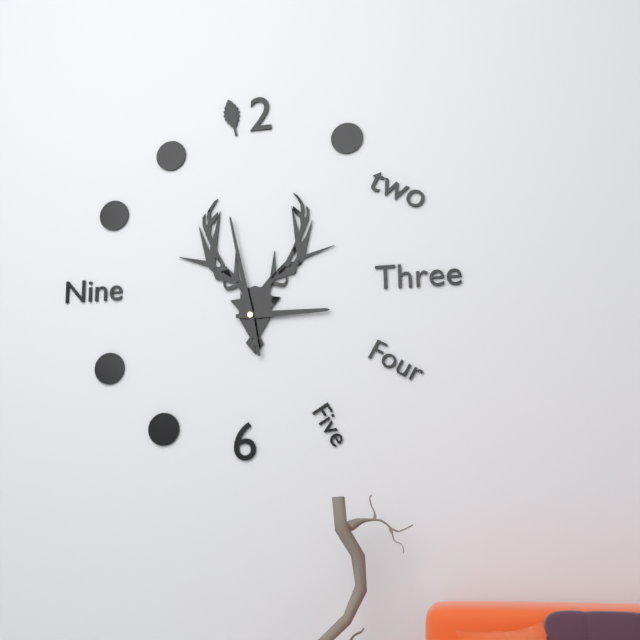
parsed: **2:58**
